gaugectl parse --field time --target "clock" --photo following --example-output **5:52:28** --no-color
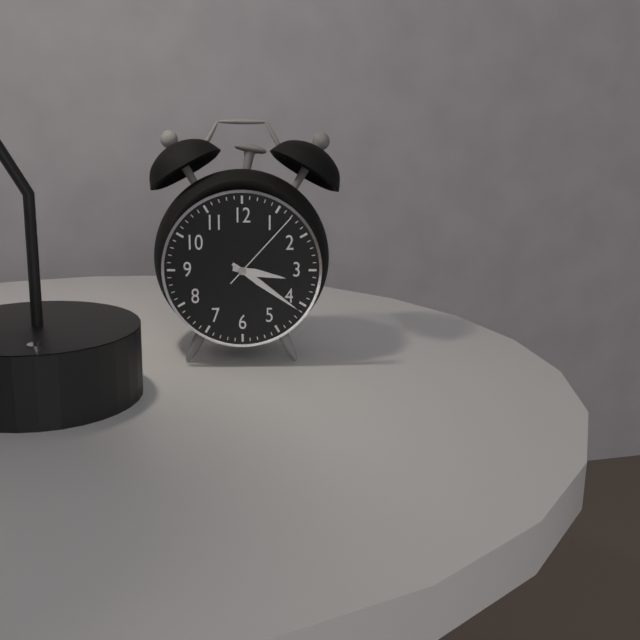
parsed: **3:21:07**
